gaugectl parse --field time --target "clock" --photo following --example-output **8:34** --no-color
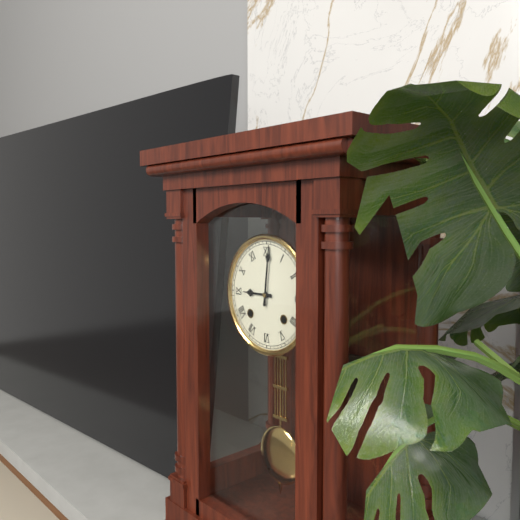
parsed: **9:01**
